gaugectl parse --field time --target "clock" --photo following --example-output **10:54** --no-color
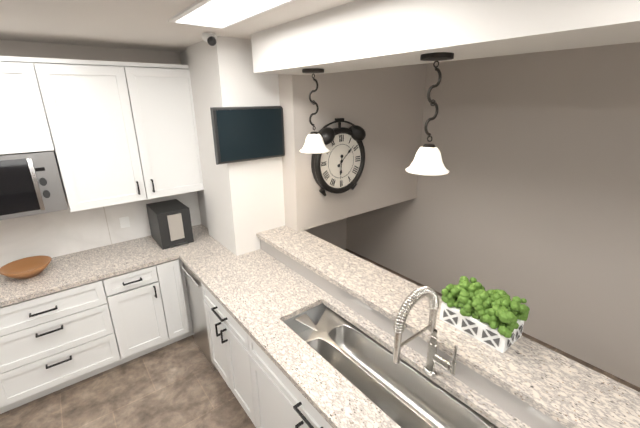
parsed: **6:08**
